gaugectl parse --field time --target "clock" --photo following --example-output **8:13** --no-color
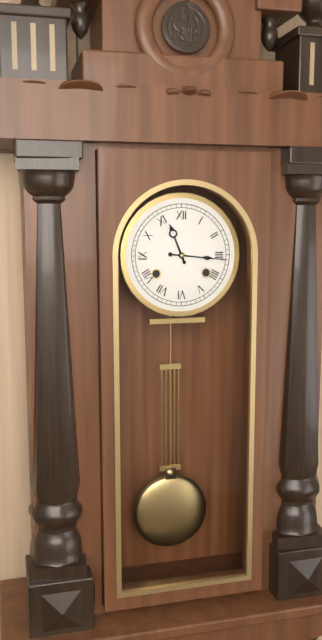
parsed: **11:16**
